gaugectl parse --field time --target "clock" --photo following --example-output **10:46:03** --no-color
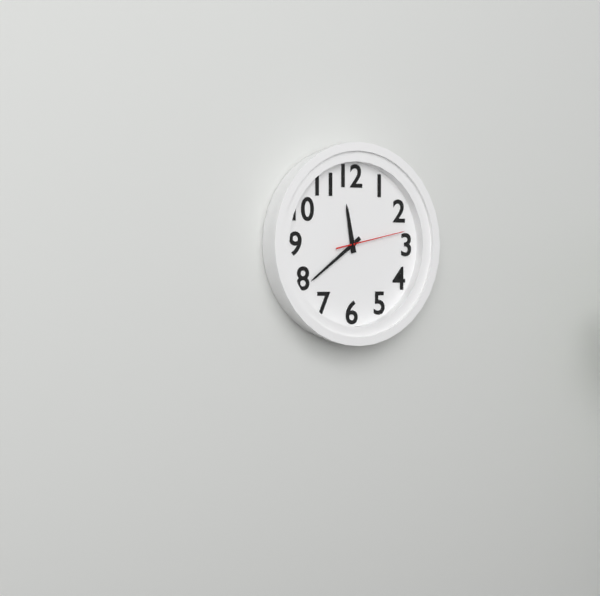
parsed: **11:39:13**
